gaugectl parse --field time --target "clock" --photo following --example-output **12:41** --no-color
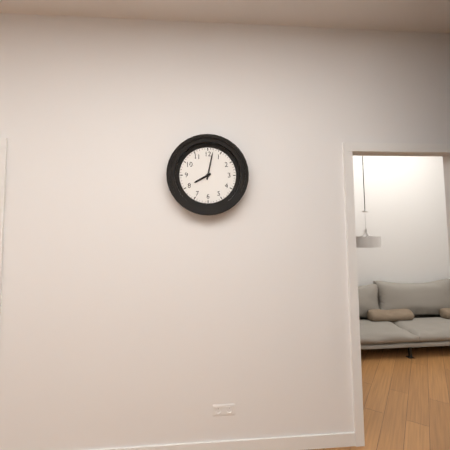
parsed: **8:02**
